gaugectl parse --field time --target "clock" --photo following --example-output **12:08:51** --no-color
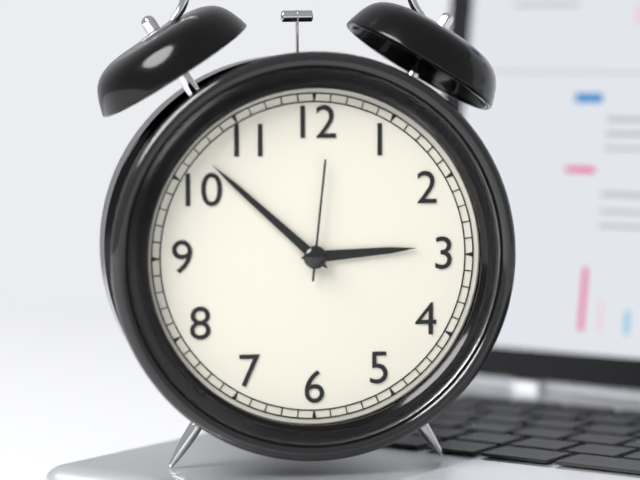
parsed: **2:52:01**
